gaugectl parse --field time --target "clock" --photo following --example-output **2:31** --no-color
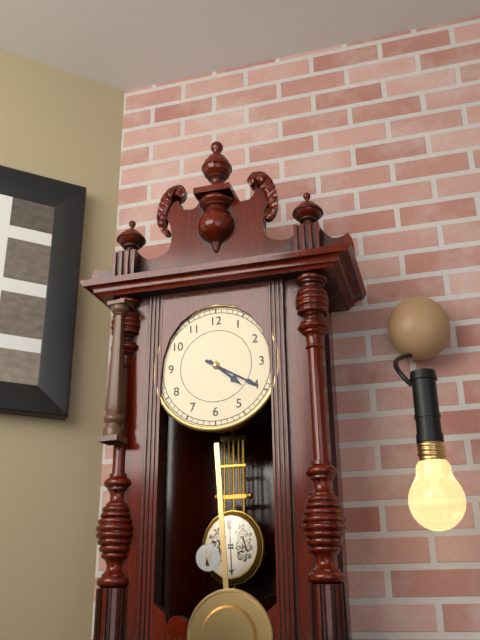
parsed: **4:20**
